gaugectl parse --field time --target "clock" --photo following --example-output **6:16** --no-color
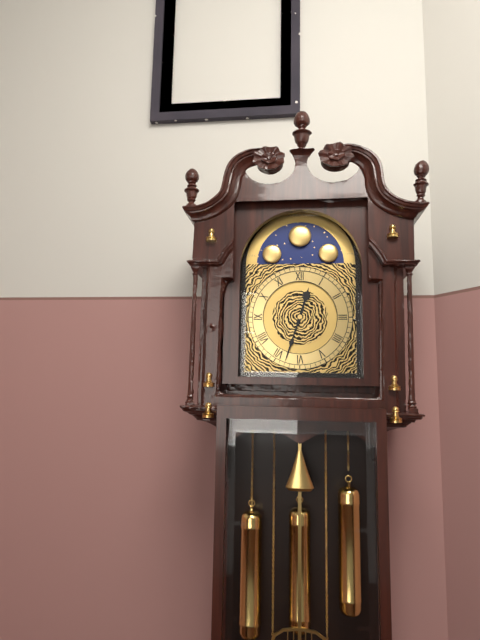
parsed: **12:33**
